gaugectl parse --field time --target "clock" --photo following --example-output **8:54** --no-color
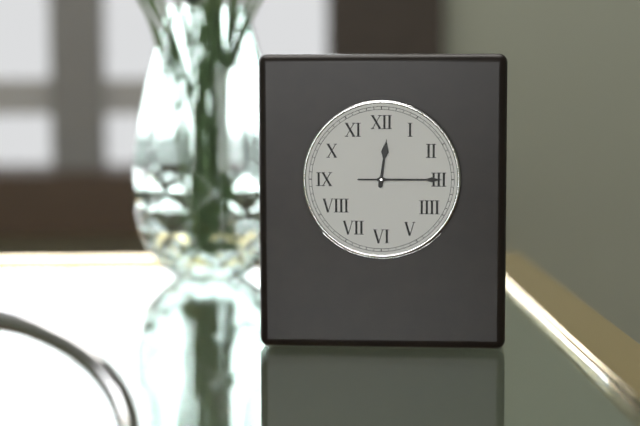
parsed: **12:15**
